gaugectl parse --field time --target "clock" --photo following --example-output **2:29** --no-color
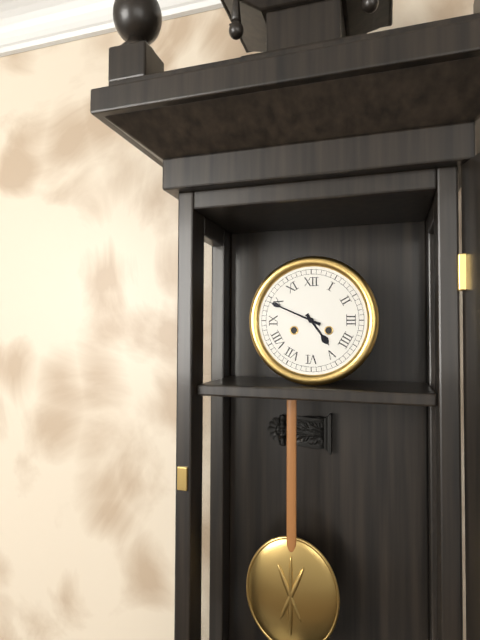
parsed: **4:49**
